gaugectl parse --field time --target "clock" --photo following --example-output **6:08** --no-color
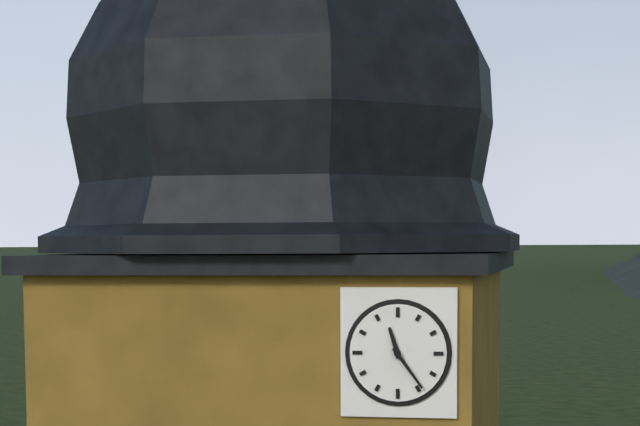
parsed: **11:24**
